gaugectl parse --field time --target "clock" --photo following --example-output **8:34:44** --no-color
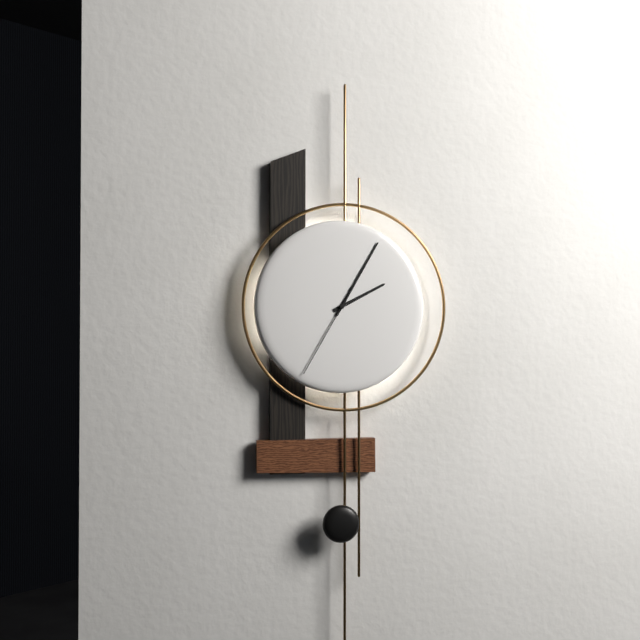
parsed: **2:05:35**
